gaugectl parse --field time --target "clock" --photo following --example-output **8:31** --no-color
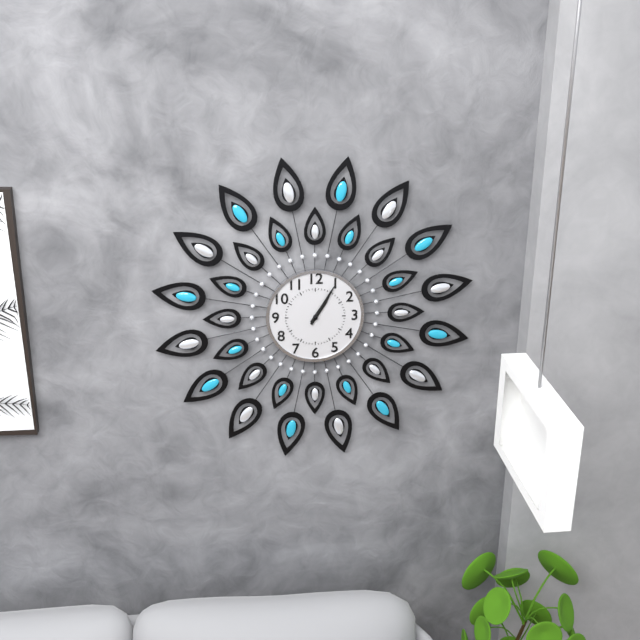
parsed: **1:05**
